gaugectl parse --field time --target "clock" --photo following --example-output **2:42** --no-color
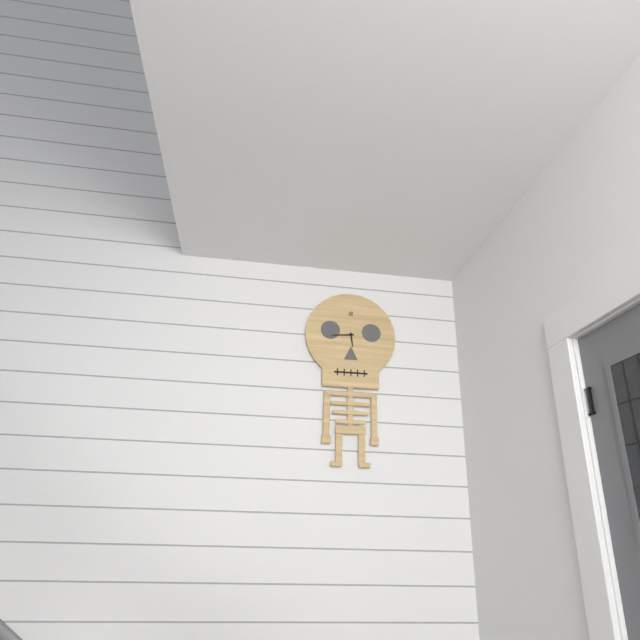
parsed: **5:44**
